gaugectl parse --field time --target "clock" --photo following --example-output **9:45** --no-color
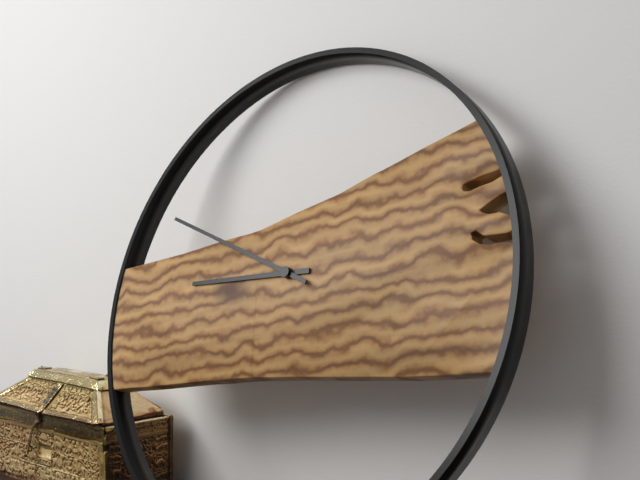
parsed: **8:48**
